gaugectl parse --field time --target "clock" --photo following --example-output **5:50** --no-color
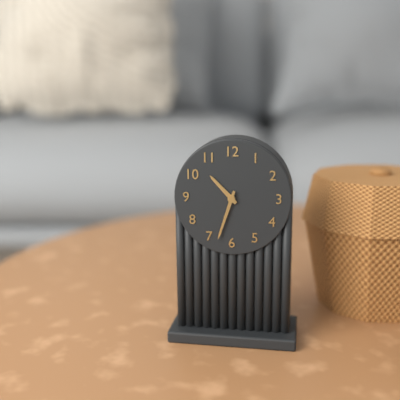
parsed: **10:33**
